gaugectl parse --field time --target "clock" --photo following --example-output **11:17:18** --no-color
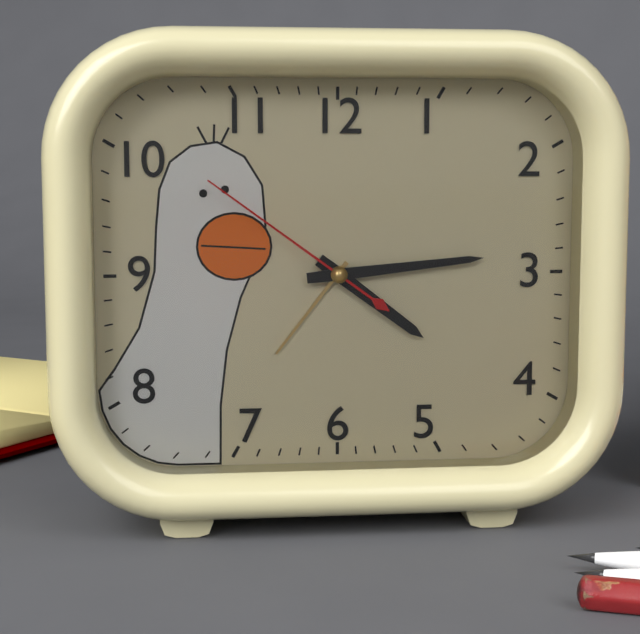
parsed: **4:14:51**
